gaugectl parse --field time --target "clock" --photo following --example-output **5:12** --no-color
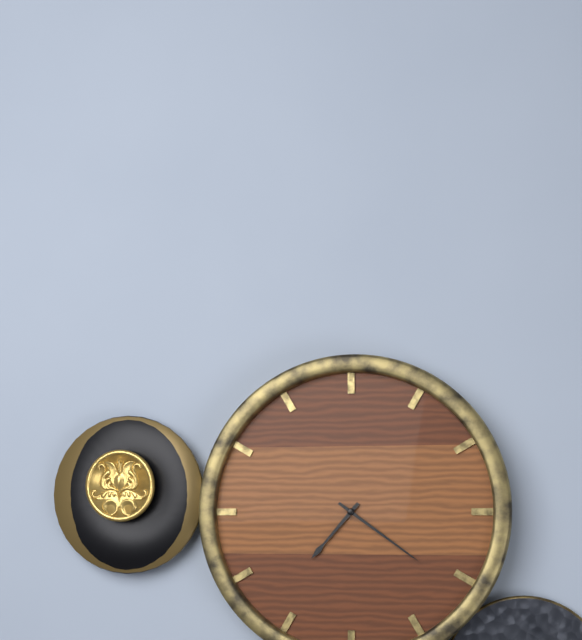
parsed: **7:21**
